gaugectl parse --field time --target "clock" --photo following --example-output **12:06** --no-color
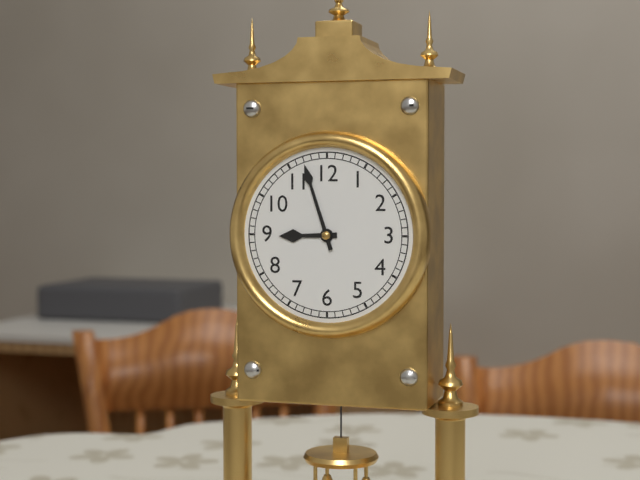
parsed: **8:57**
